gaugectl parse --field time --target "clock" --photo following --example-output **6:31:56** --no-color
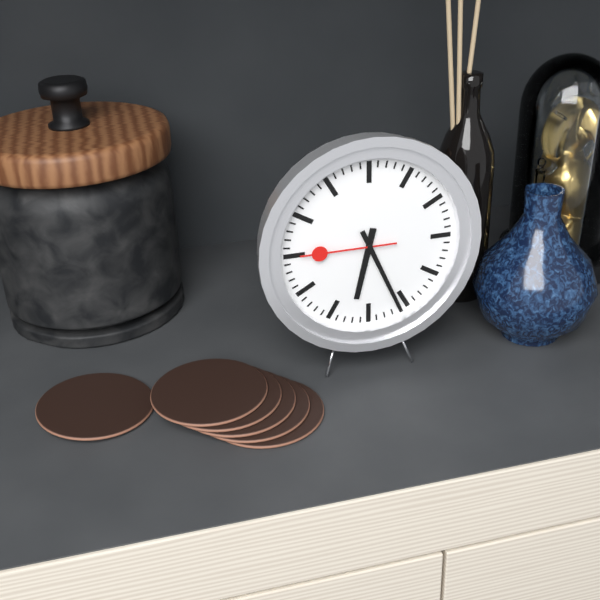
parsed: **6:26:45**
